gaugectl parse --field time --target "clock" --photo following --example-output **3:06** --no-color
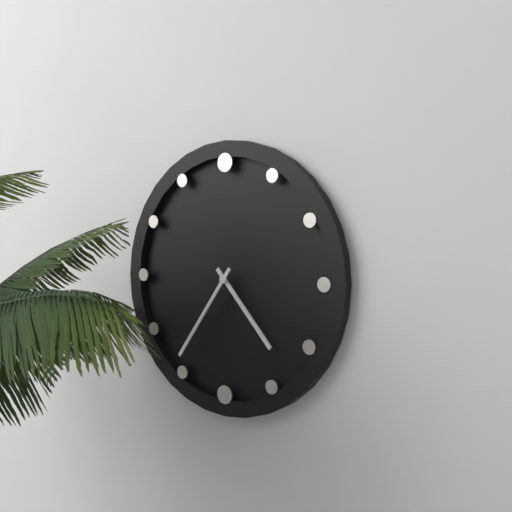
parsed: **4:36**
